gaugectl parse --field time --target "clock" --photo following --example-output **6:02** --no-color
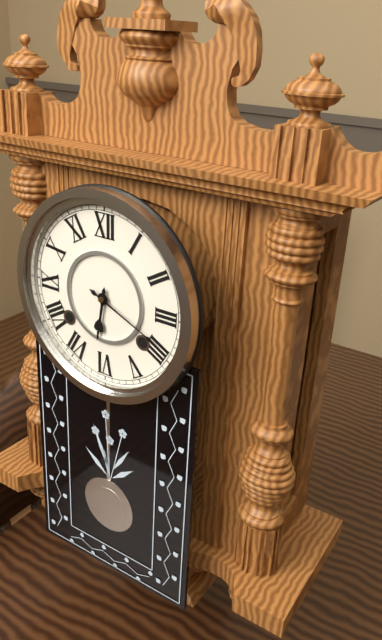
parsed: **6:19**
